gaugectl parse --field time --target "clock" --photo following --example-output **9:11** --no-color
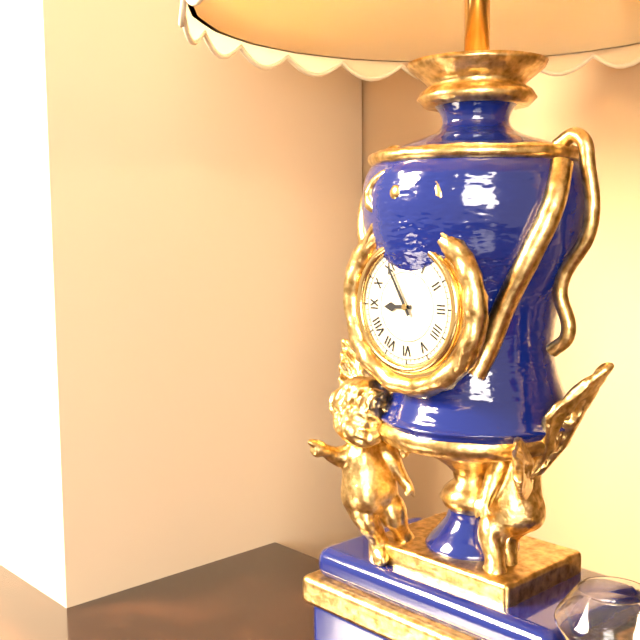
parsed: **8:55**
